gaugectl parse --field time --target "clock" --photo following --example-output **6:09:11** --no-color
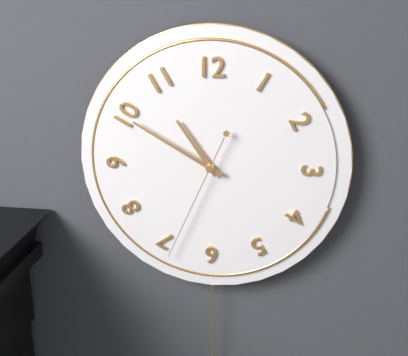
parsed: **10:50:34**
